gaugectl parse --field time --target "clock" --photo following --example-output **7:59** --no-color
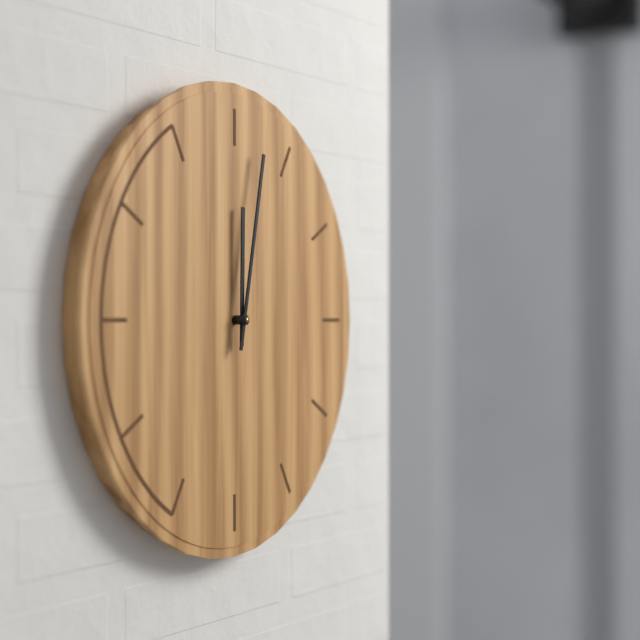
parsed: **12:02**
